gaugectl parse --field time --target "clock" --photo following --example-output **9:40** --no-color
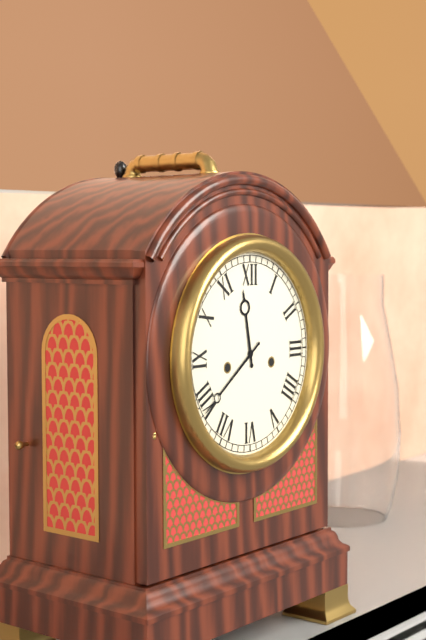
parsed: **11:39**
